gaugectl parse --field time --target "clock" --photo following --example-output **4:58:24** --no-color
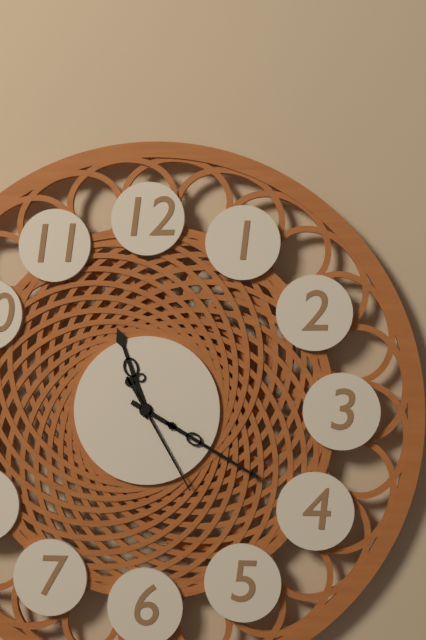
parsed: **11:20:25**
